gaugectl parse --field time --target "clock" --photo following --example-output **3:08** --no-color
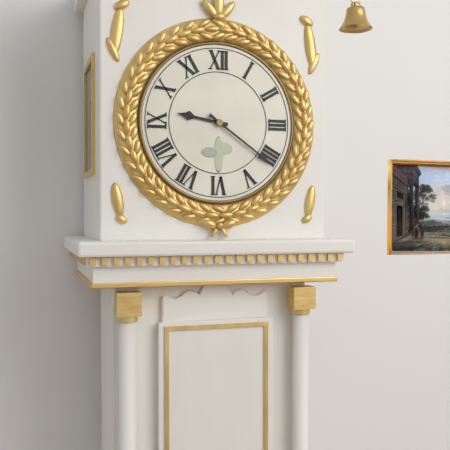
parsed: **9:21**
